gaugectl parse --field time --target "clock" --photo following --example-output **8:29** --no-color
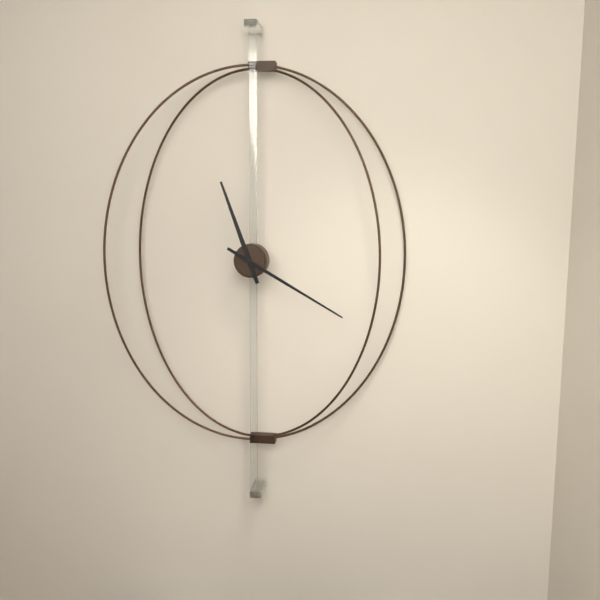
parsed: **11:20**
